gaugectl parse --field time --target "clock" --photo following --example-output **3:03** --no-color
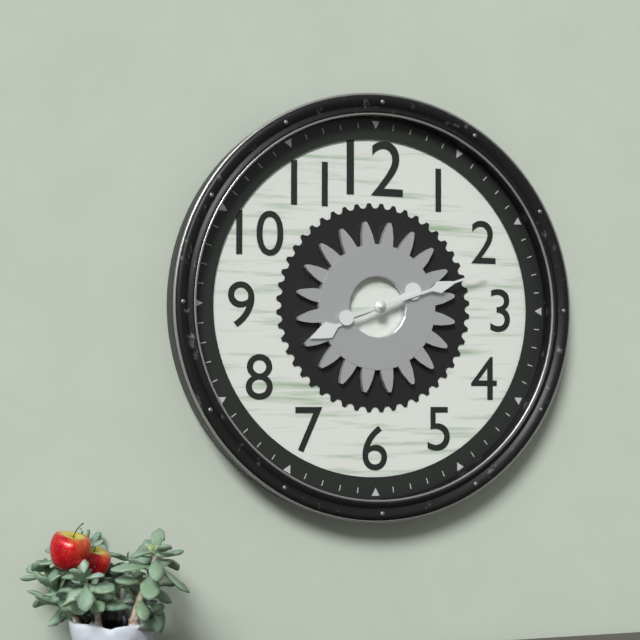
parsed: **8:12**
